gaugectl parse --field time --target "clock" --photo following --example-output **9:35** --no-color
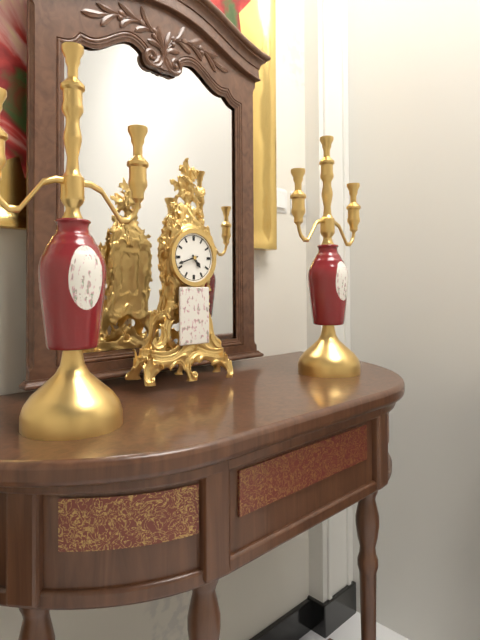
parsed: **4:42**
